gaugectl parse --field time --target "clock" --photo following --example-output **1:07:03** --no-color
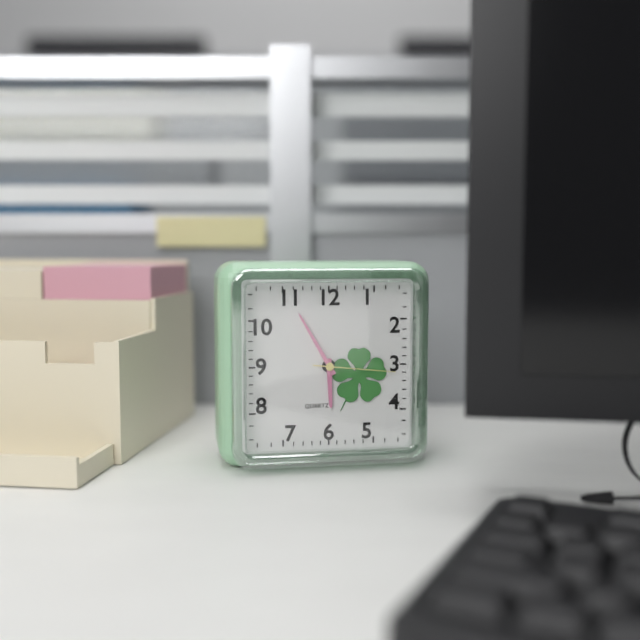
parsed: **5:55:16**
